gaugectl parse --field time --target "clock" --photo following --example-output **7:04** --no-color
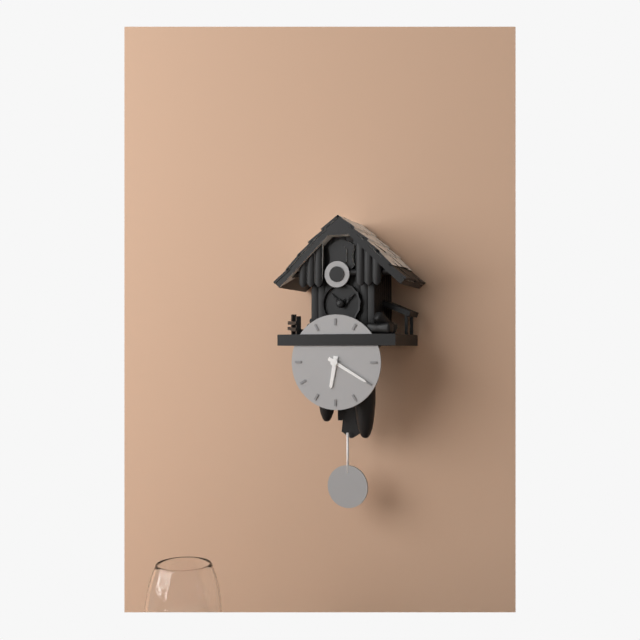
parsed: **6:20**
